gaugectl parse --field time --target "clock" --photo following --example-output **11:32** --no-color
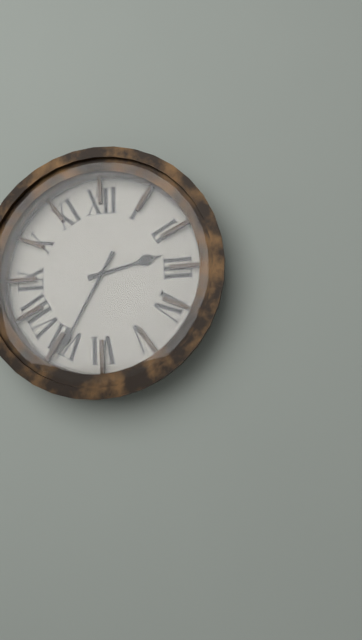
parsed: **2:35**
